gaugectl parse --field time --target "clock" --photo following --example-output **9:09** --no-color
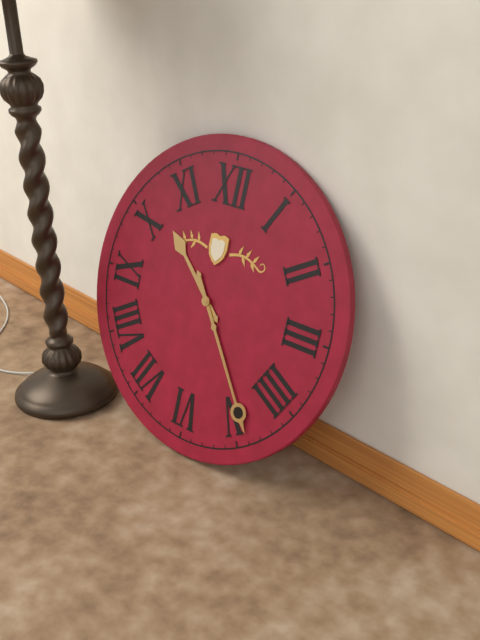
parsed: **10:24**
